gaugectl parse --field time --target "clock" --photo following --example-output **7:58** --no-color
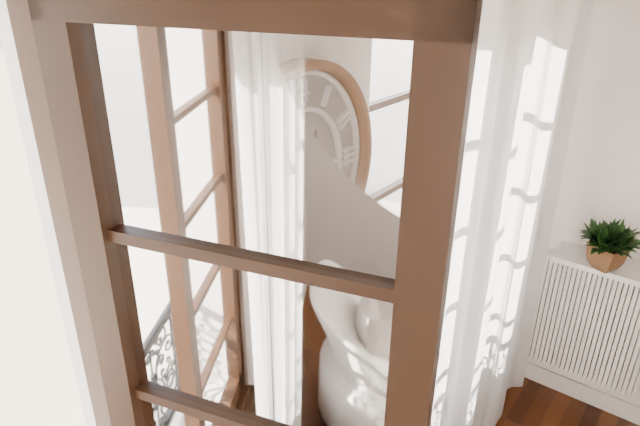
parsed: **12:43**
